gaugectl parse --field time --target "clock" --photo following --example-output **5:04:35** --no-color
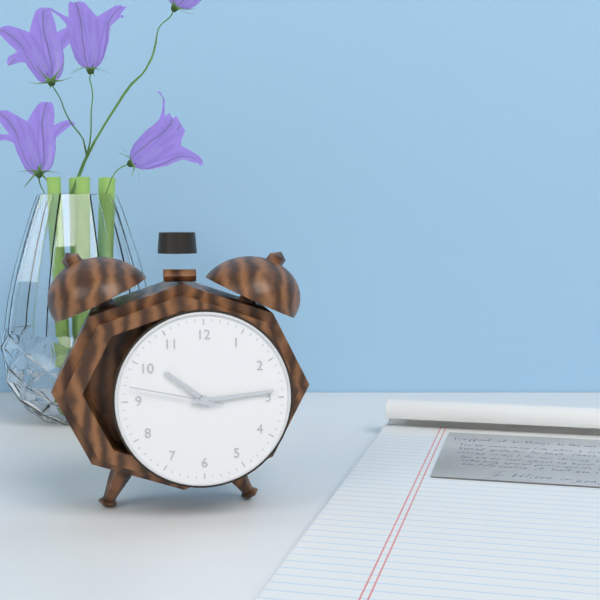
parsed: **10:14:47**
